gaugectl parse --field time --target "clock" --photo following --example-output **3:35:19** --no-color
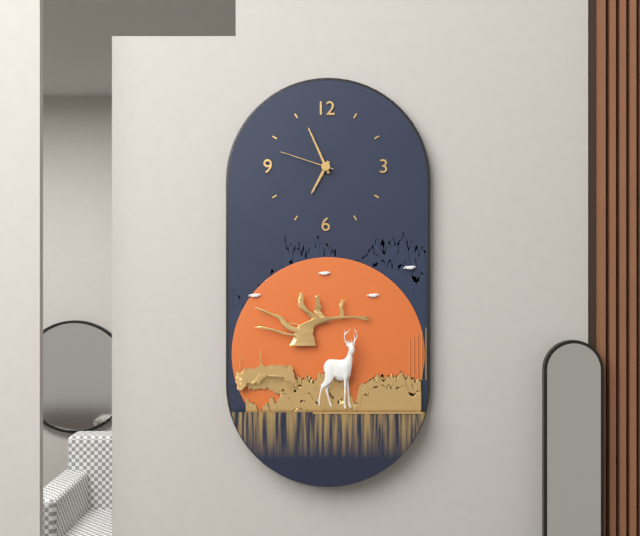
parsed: **6:56:48**
